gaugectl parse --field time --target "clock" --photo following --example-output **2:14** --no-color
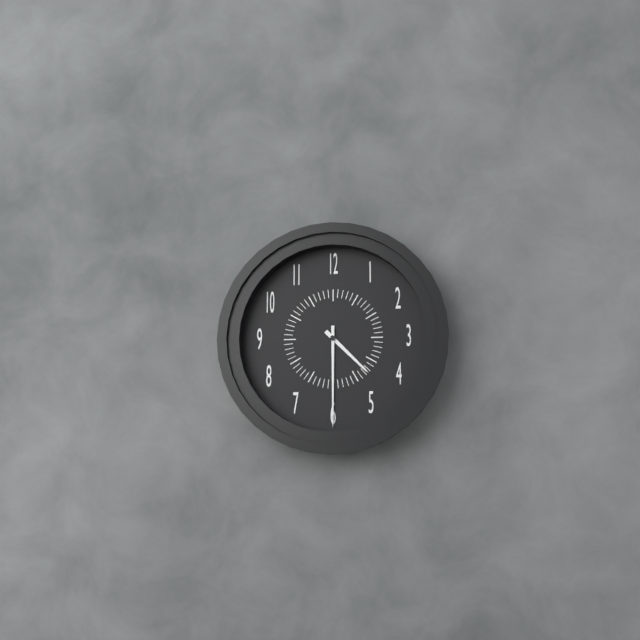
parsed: **4:30**
